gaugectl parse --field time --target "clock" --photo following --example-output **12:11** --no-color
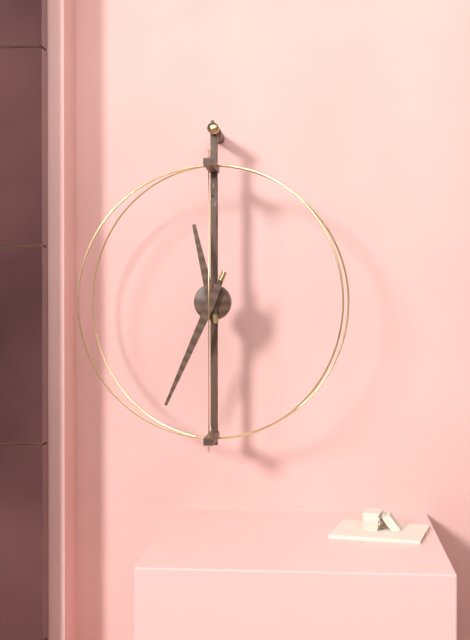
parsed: **11:34**
